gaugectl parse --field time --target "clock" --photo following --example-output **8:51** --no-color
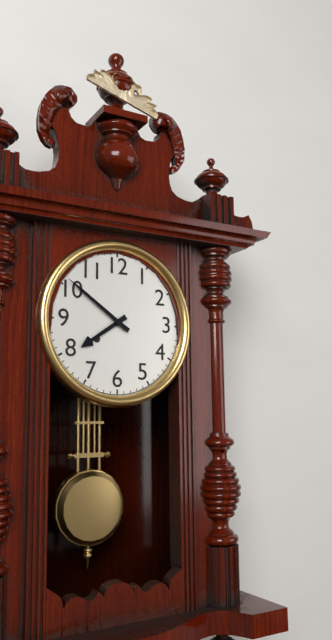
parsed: **7:51**
